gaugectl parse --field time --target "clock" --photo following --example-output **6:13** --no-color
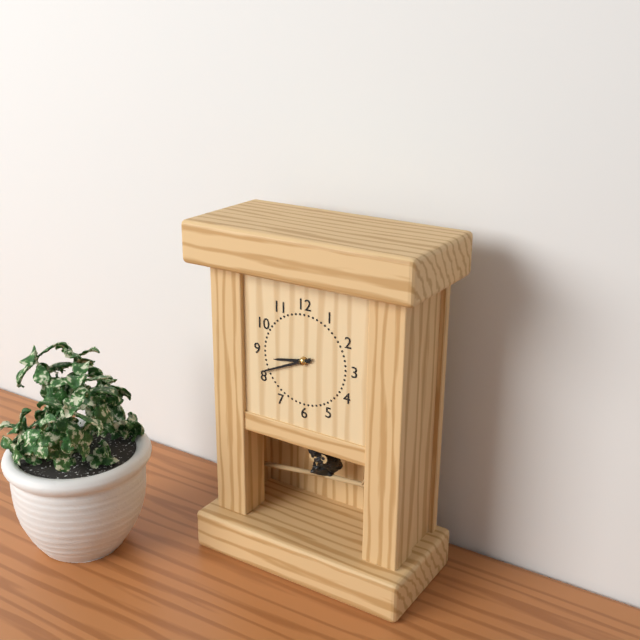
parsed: **8:41**
